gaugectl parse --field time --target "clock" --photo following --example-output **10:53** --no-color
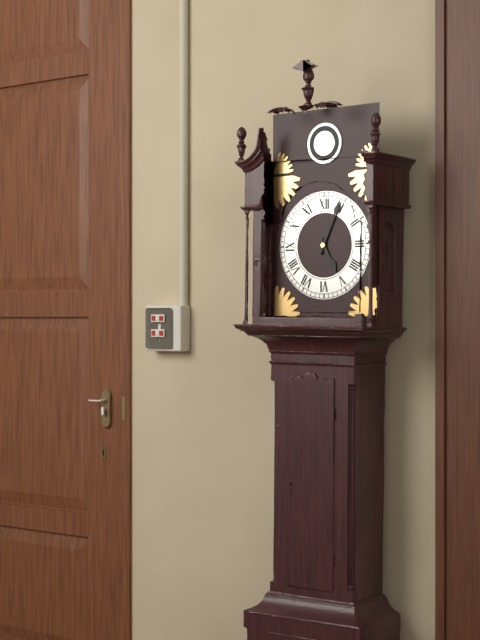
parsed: **5:04**
